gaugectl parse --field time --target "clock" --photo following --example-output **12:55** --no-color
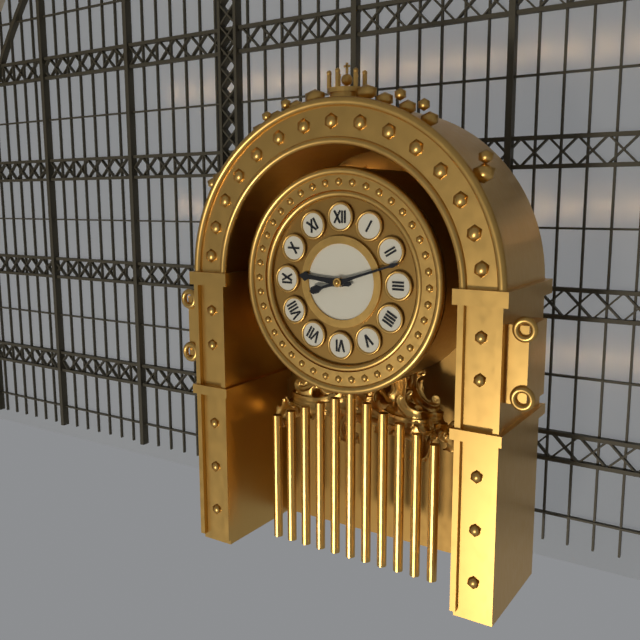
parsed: **9:12**
